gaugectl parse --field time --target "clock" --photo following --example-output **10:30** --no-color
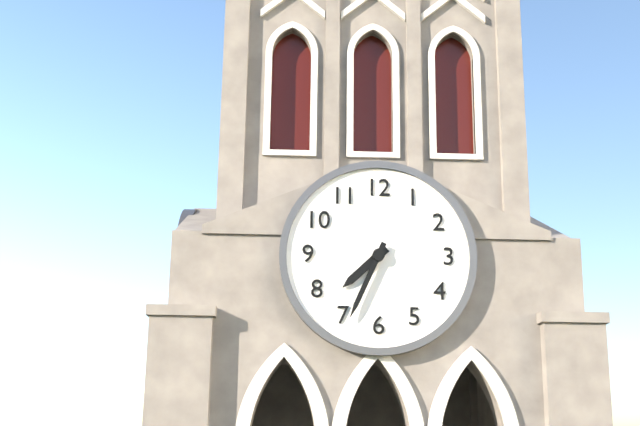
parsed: **7:34**
